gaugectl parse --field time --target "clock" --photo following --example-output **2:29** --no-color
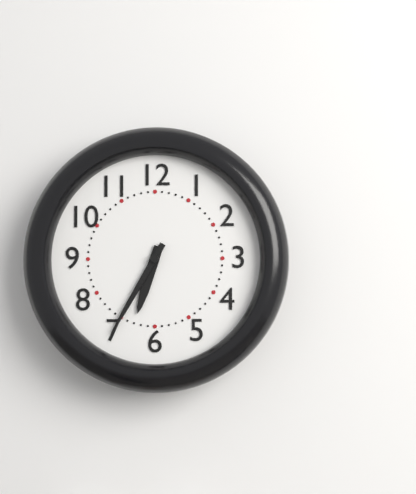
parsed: **6:35**
